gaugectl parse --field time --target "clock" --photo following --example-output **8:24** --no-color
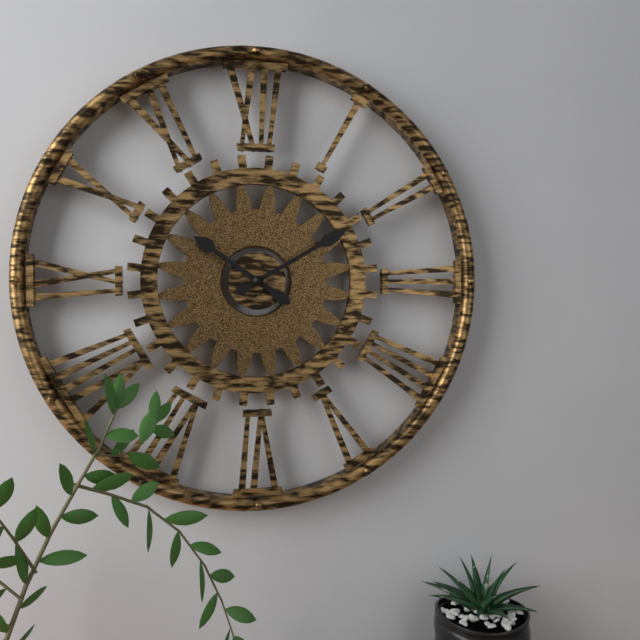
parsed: **10:10**
